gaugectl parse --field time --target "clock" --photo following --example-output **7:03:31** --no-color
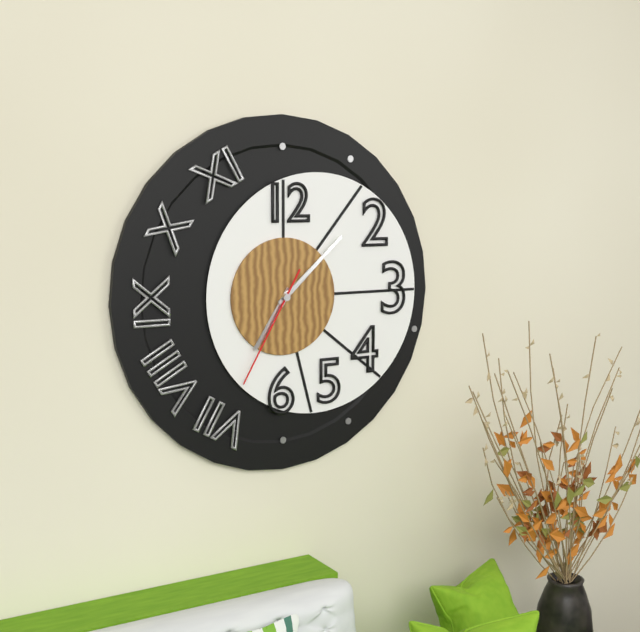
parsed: **7:08:35**
